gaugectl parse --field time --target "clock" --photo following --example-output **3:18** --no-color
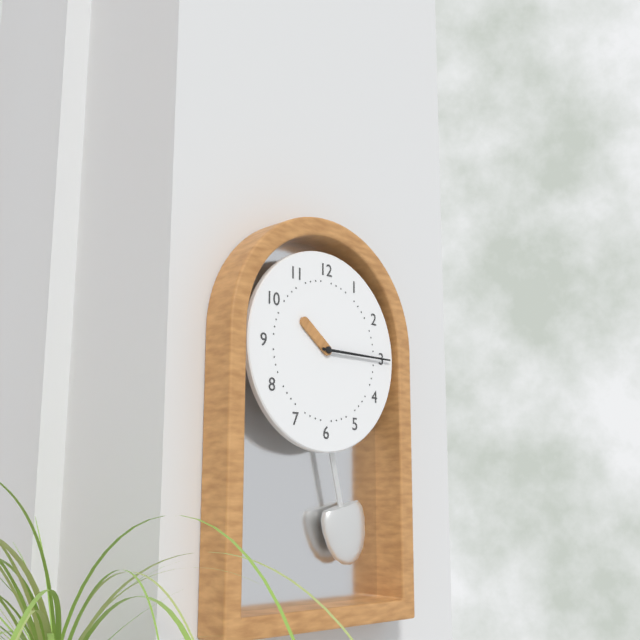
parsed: **10:15**
